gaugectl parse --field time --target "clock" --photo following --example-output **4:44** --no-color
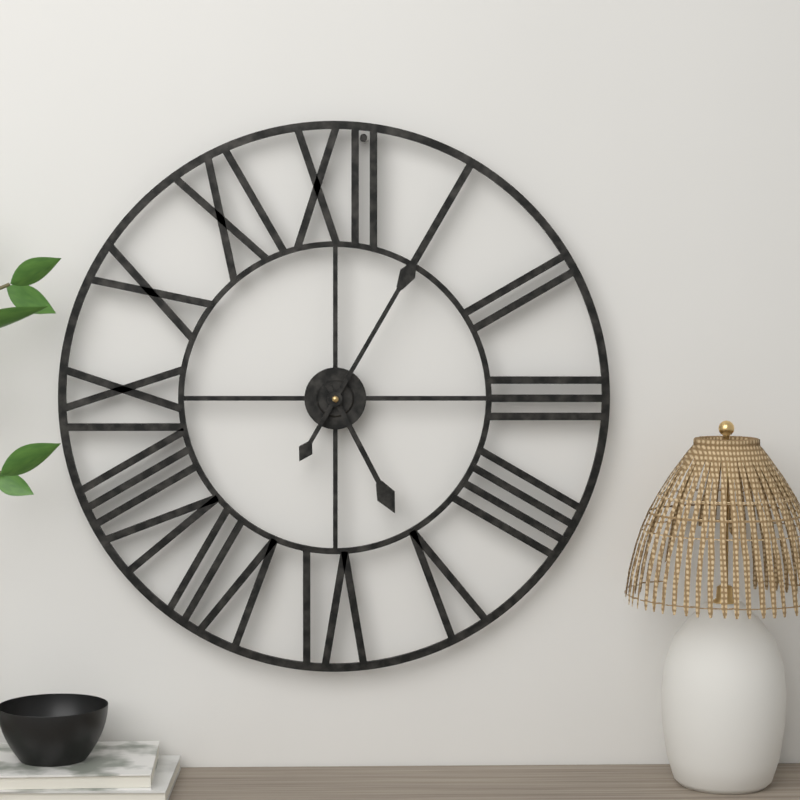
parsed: **5:05**
